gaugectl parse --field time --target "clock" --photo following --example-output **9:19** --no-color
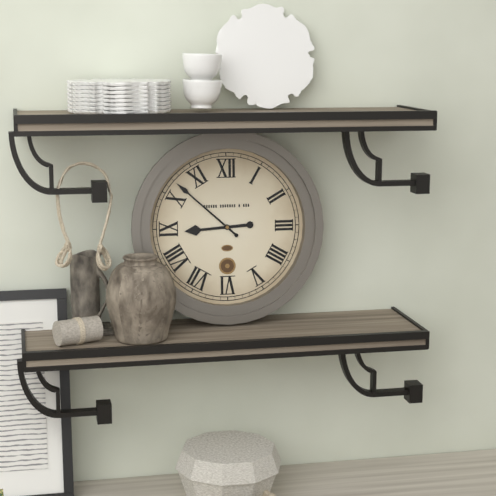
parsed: **8:52**
